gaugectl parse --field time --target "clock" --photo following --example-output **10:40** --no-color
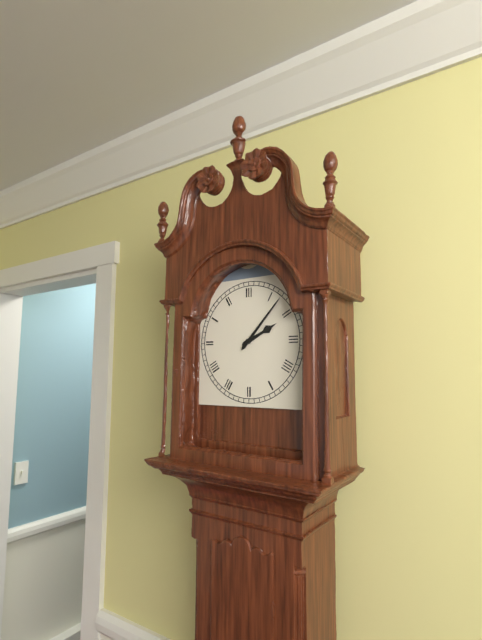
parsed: **2:07**
